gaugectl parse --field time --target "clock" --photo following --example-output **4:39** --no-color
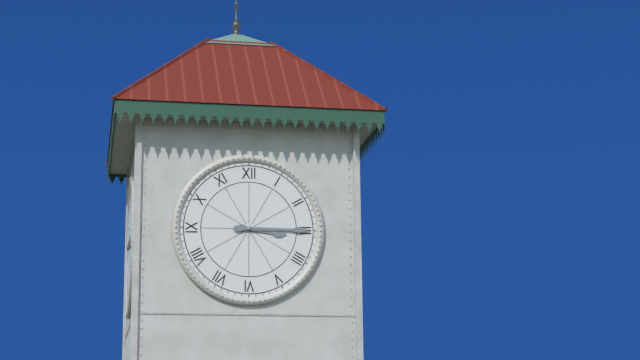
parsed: **3:15**
